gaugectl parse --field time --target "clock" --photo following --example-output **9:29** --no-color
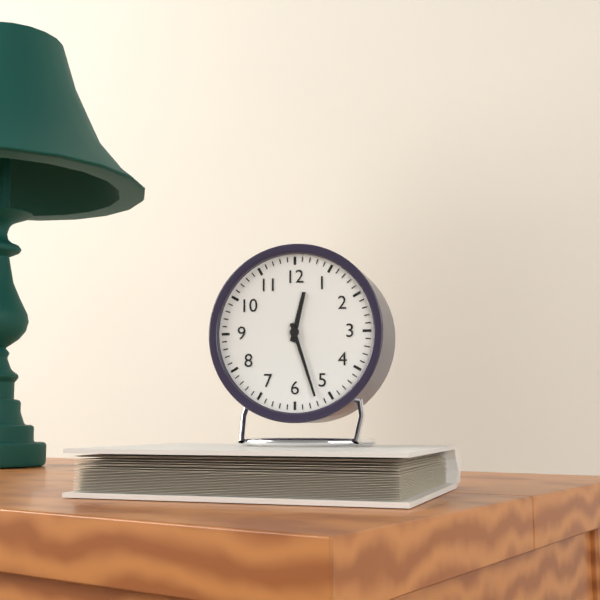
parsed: **12:27**
